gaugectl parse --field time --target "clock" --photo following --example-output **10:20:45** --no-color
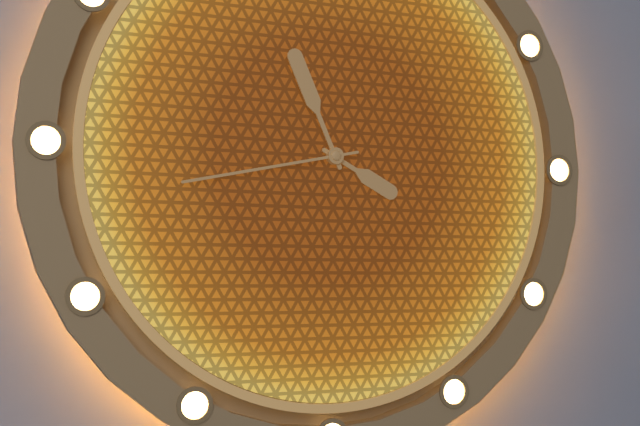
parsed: **3:56:43**
